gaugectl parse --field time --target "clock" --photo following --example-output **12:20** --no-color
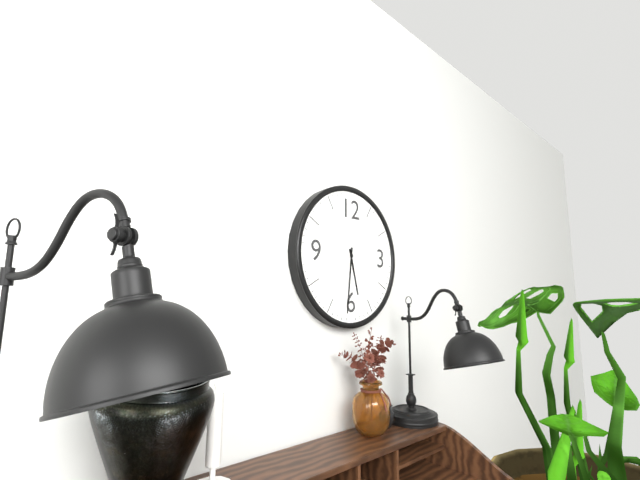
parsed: **5:31**
